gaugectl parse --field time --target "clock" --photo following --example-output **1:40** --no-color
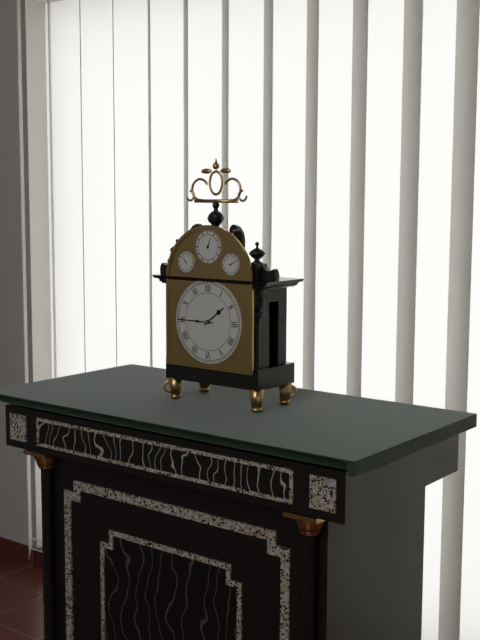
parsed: **1:45**
